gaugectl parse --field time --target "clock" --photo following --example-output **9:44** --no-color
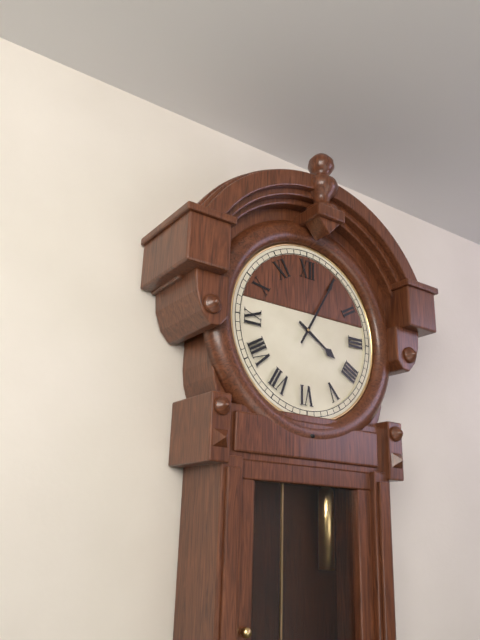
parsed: **4:05**
